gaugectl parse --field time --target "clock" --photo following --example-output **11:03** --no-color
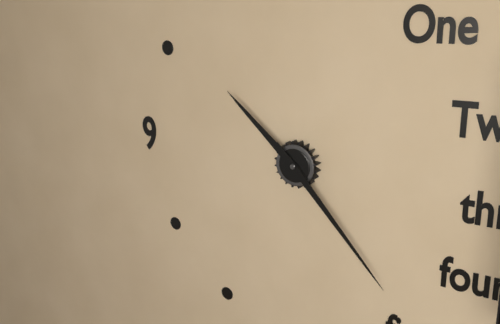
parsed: **10:23**
